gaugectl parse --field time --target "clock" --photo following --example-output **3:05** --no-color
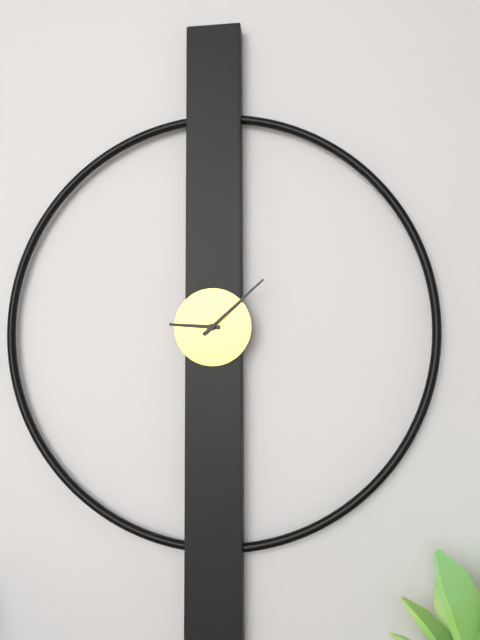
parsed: **9:08**
